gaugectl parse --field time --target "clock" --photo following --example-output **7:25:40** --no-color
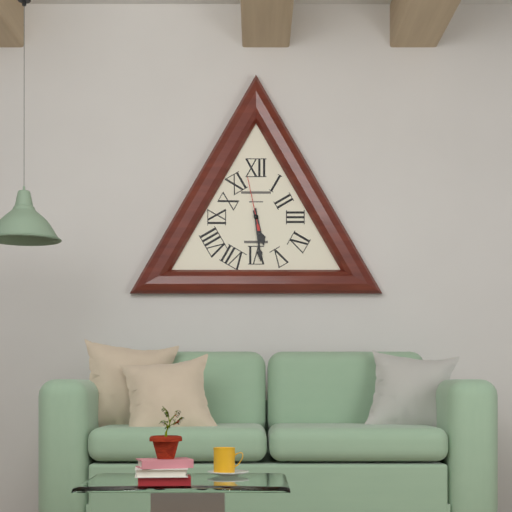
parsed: **5:29:58**
